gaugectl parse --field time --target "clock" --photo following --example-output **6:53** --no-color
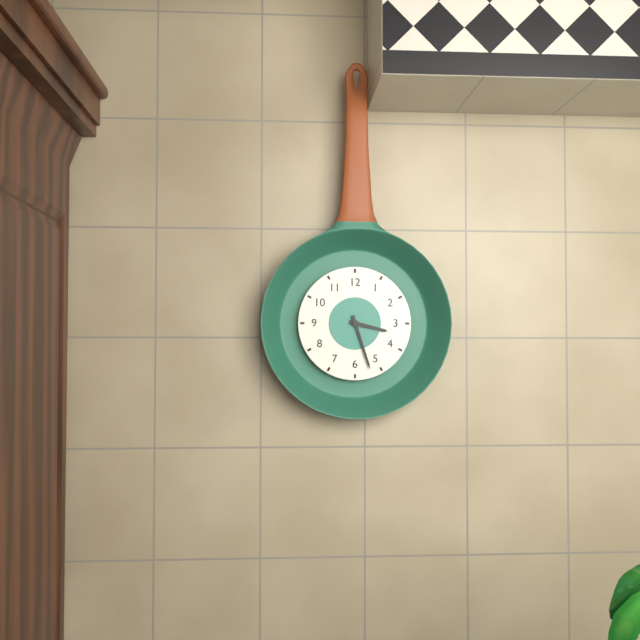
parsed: **3:27**
